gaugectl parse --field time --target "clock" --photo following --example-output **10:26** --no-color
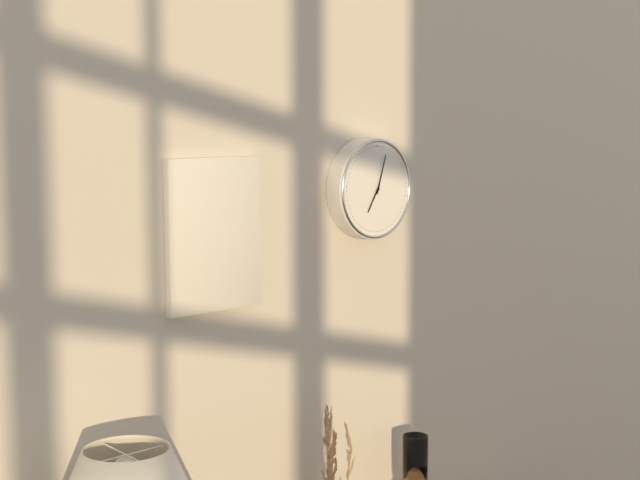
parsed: **7:03**
